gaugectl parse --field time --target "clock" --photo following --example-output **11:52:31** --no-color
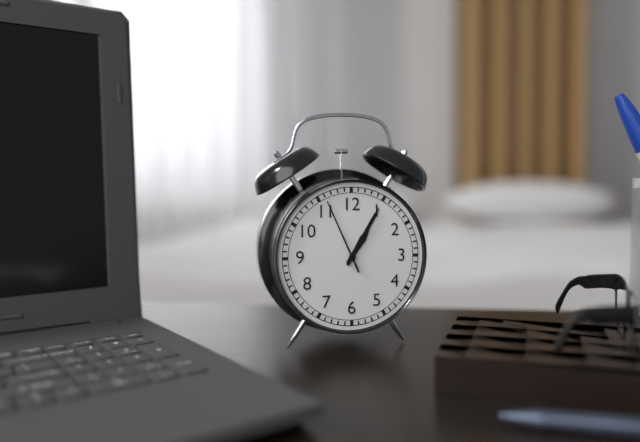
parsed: **1:05:56**
